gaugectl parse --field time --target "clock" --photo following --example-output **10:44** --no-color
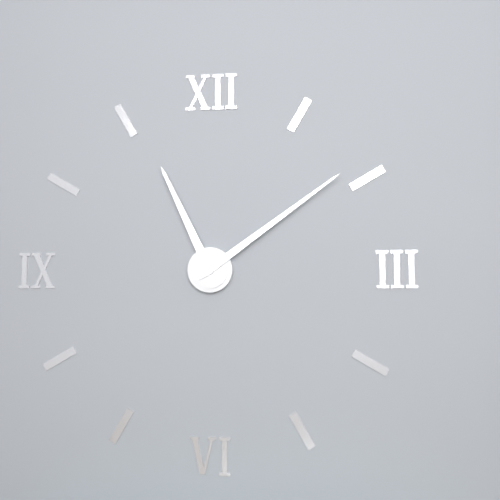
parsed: **11:09**
